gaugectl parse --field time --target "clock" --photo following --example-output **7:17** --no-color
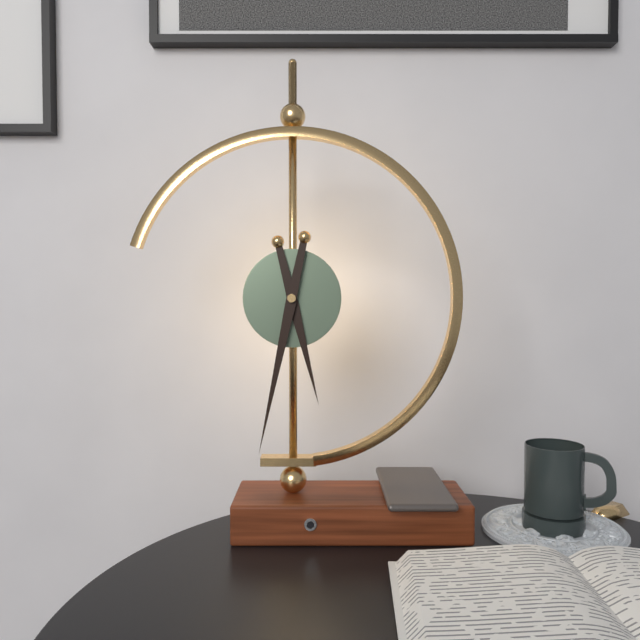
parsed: **5:32**
